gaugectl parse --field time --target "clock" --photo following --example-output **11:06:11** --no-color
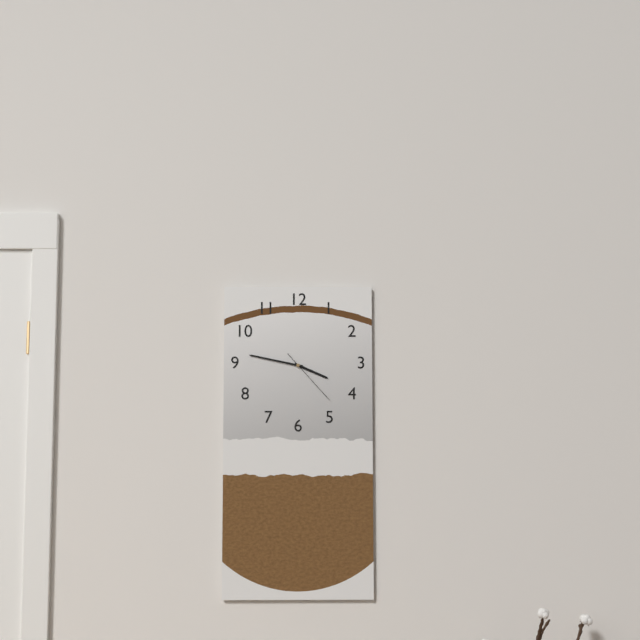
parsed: **3:47:23**
